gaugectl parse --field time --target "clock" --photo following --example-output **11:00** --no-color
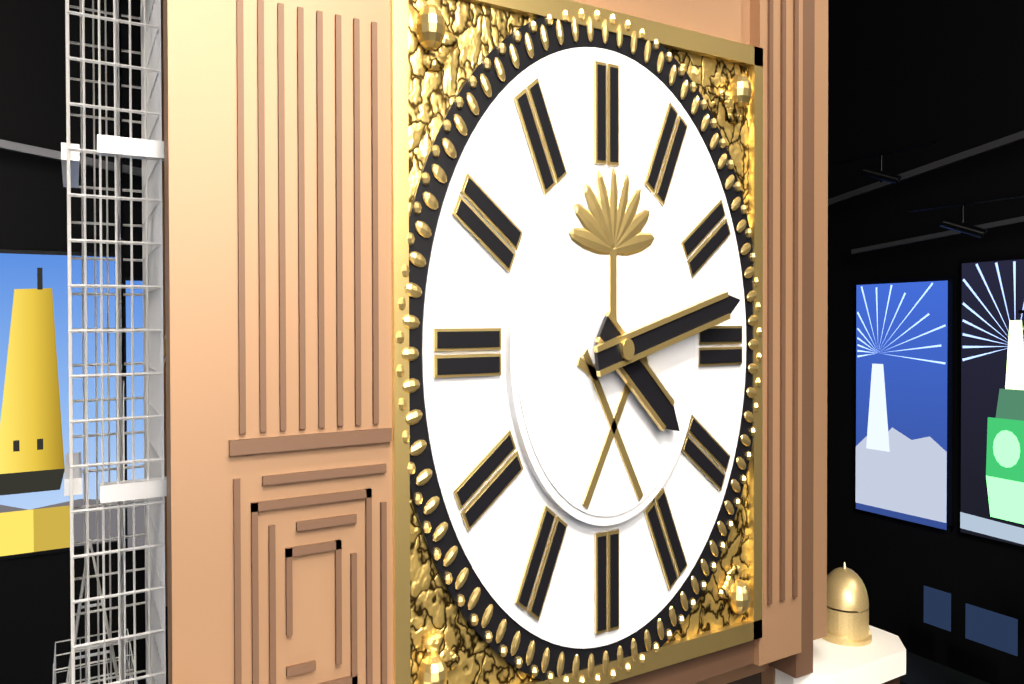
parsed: **4:13**
